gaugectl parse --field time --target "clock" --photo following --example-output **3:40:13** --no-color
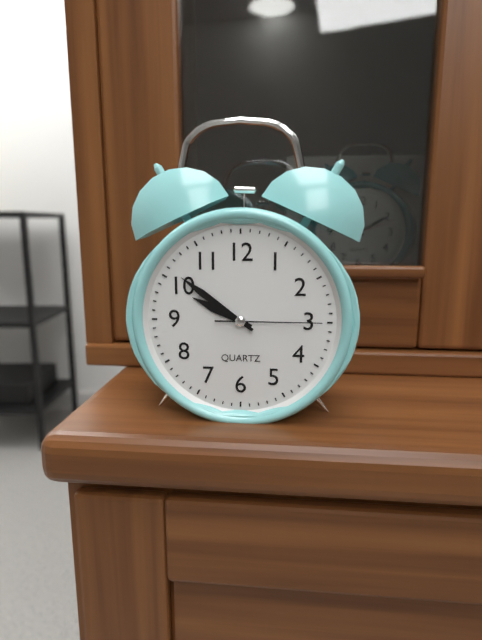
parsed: **9:51:15**
